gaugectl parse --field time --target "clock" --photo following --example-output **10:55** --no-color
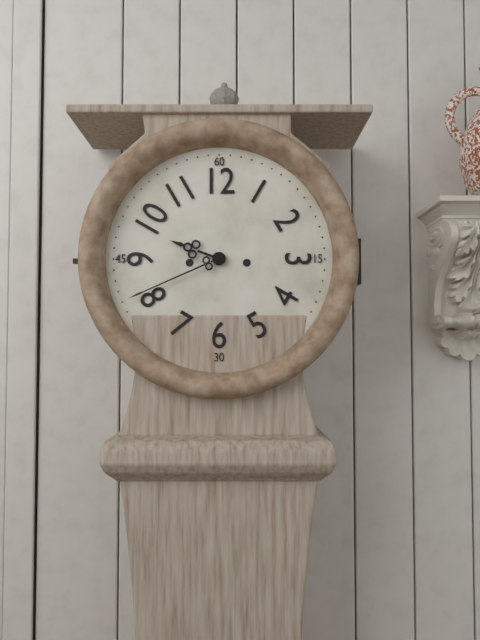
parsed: **9:41**
